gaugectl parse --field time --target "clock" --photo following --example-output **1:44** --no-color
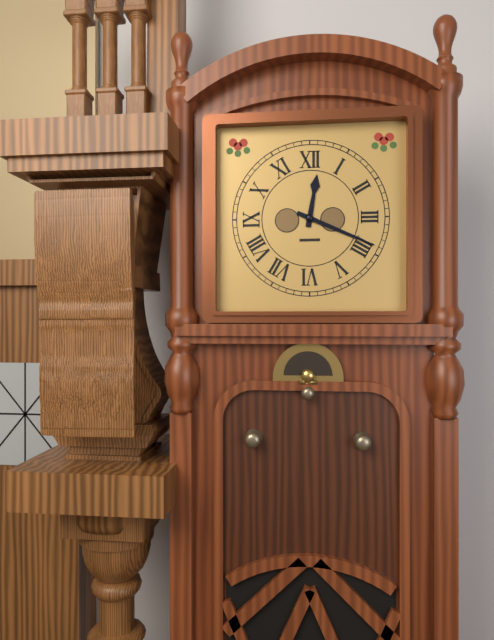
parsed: **12:19**
